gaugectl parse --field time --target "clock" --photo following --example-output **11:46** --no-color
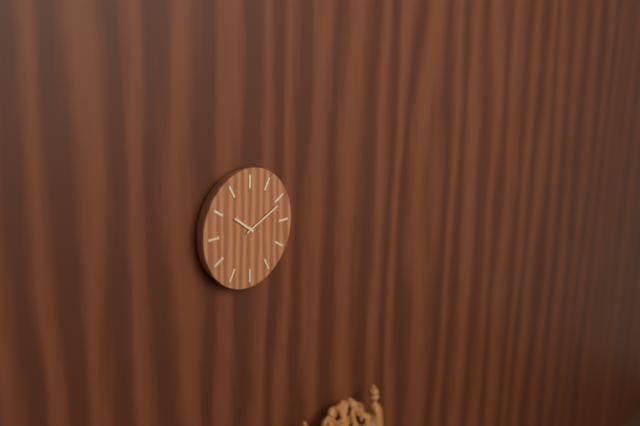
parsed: **10:11**
